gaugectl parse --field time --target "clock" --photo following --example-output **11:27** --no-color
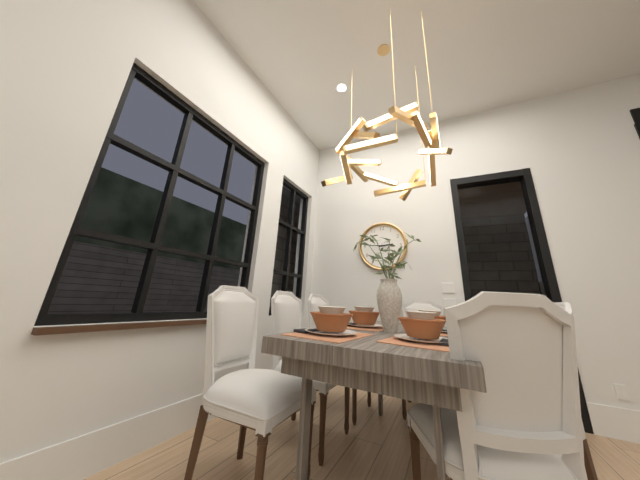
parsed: **2:46**
